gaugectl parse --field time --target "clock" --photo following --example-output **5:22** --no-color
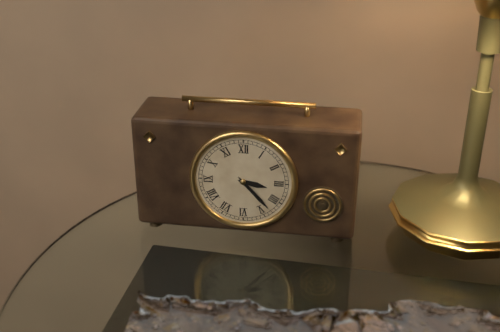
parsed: **3:23**
